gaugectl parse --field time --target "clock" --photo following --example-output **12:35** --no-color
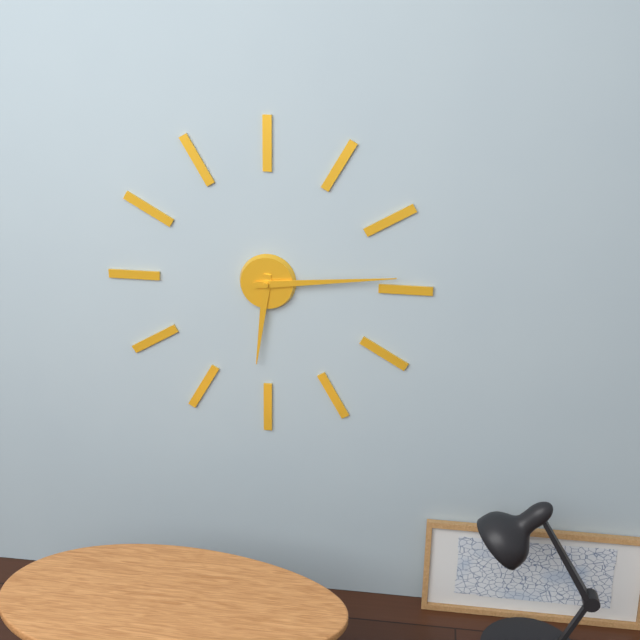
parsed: **6:14**
